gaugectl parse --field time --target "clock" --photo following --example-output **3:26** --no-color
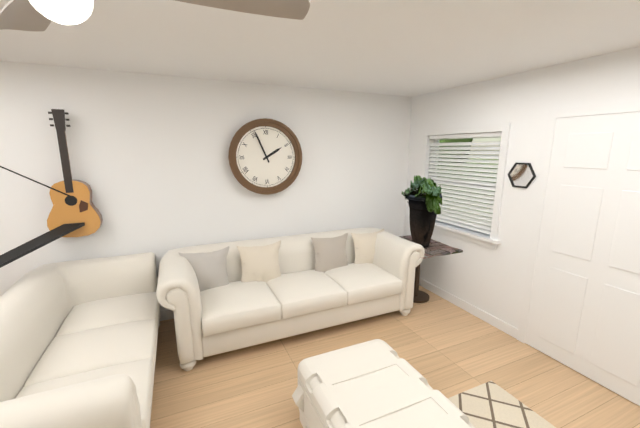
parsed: **1:56**
